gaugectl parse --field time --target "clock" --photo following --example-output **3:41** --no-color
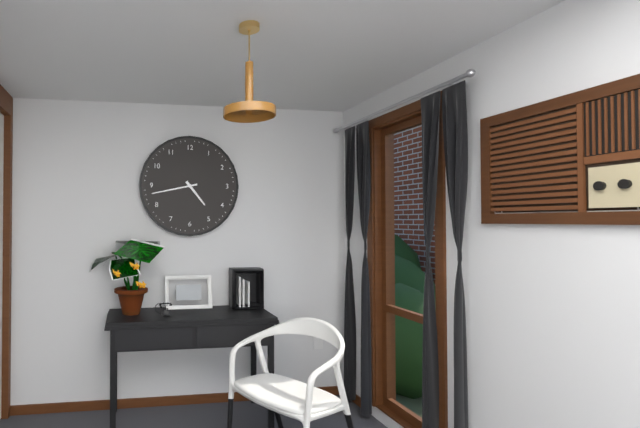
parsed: **4:43**
